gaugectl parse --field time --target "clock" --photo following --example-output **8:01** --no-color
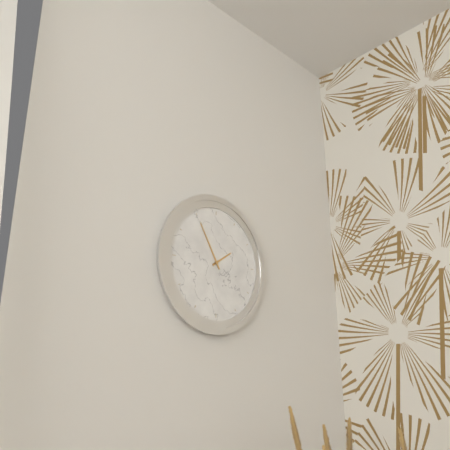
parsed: **1:55**
